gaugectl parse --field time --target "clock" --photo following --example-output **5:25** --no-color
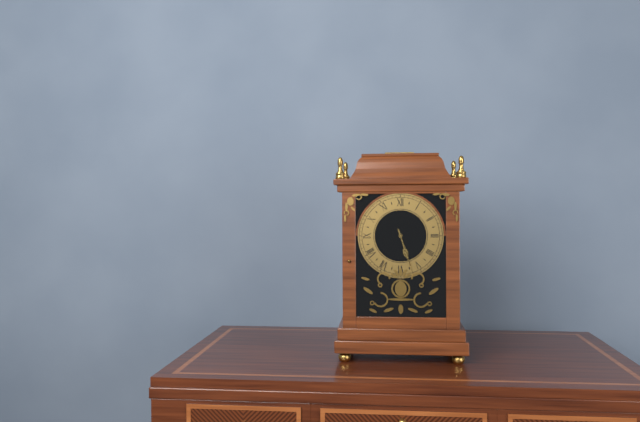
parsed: **5:27**
